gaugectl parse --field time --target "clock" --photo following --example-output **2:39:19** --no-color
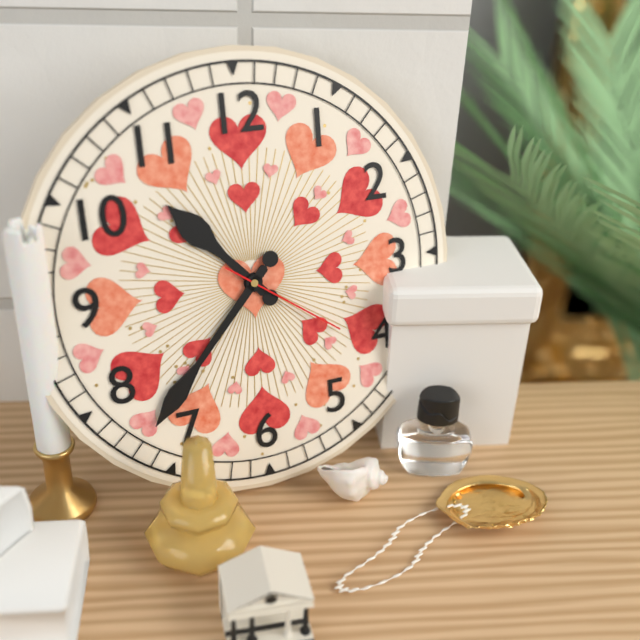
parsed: **10:37:21**
